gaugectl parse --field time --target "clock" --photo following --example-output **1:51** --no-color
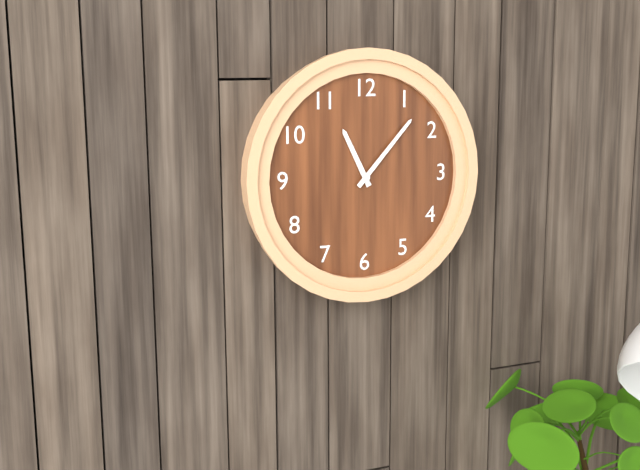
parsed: **11:07**
